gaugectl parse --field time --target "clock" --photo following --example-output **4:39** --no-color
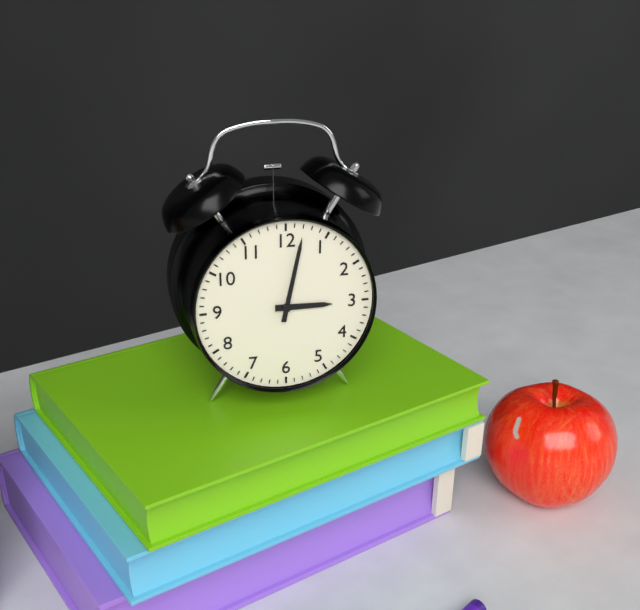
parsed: **3:02**
